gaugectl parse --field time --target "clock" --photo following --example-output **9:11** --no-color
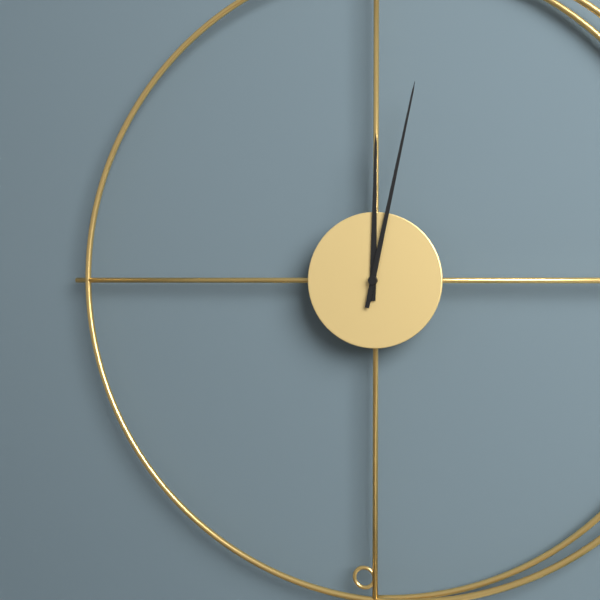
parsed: **12:02**
